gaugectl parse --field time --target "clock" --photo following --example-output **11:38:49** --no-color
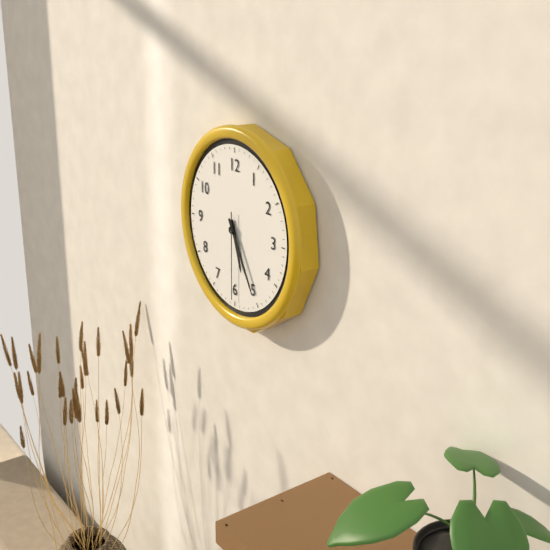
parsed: **5:25:30**
